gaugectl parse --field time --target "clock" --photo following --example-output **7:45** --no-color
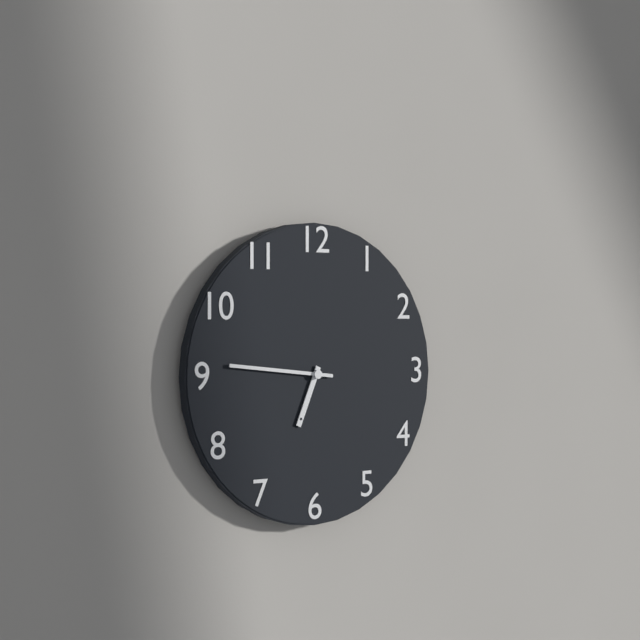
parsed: **6:46**
